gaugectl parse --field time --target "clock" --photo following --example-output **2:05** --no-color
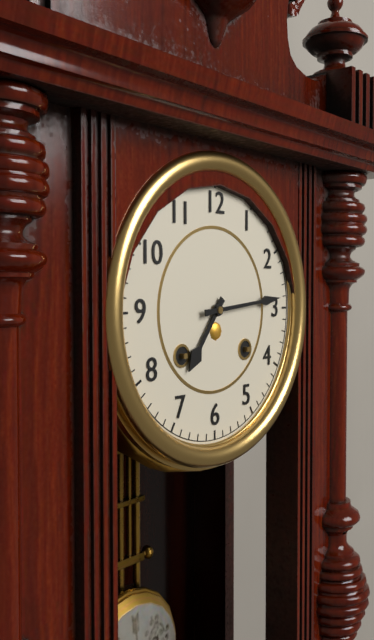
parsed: **7:14**
